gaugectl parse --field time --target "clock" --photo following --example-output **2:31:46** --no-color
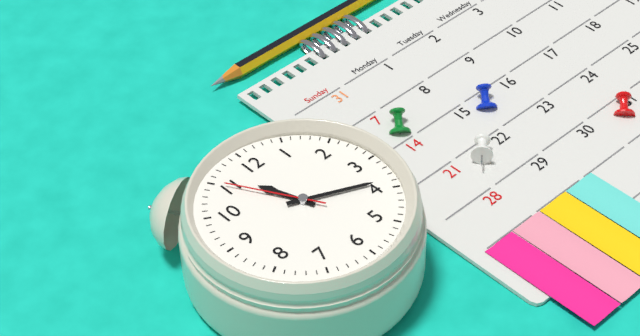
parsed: **11:19:55**
